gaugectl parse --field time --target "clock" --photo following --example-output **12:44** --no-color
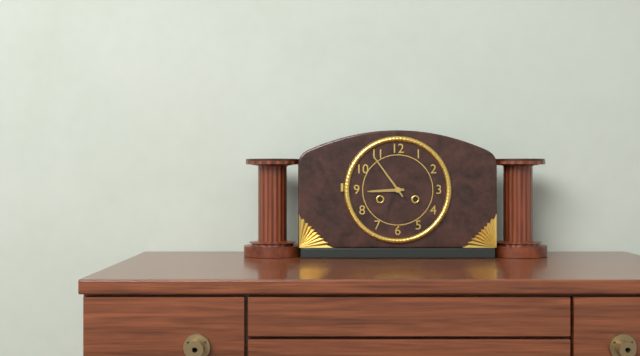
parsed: **8:54**
